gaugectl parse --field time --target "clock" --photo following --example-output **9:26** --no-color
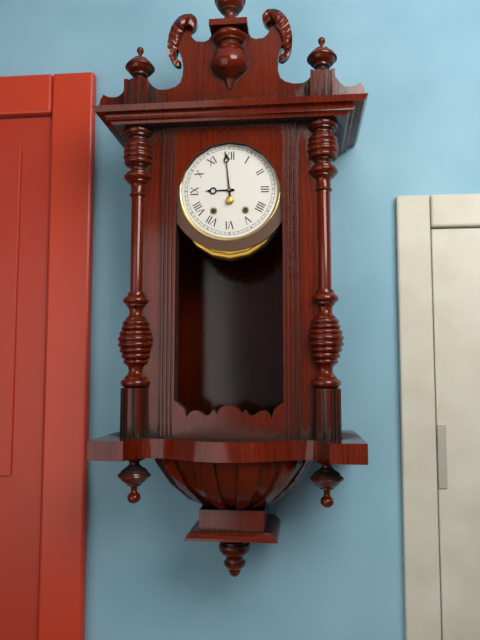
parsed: **8:59**
